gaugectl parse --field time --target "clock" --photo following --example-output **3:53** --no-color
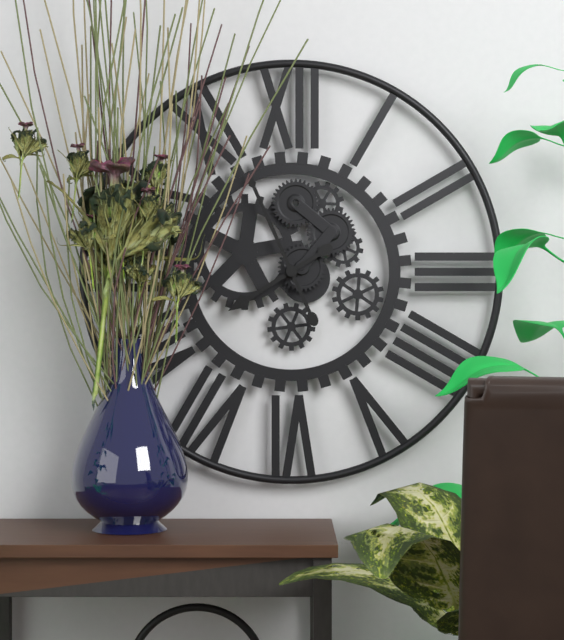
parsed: **7:56**
